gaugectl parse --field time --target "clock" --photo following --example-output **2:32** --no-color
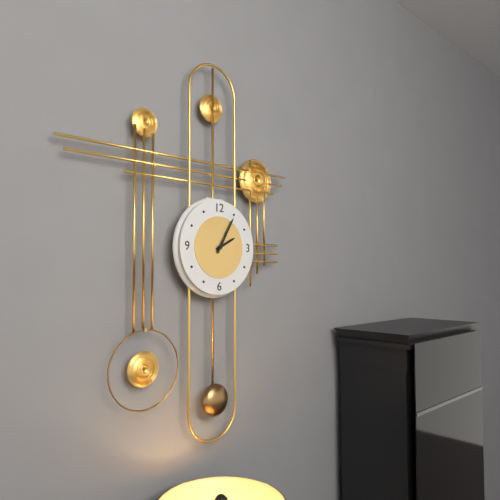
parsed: **2:05**
